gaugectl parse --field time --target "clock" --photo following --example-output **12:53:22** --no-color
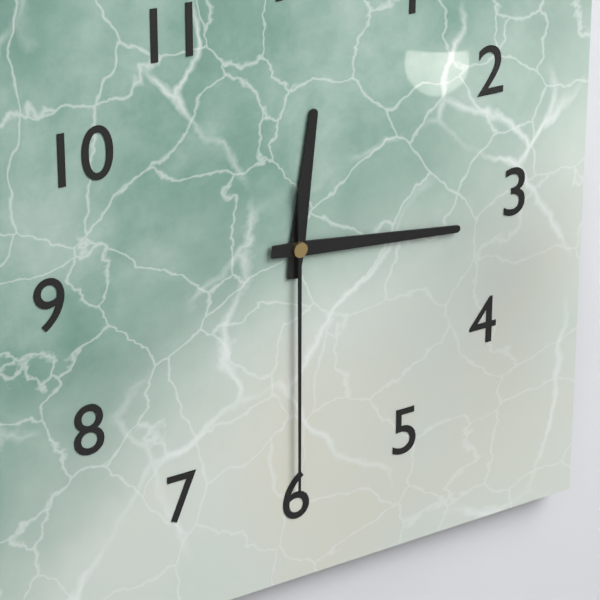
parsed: **12:16:30**
